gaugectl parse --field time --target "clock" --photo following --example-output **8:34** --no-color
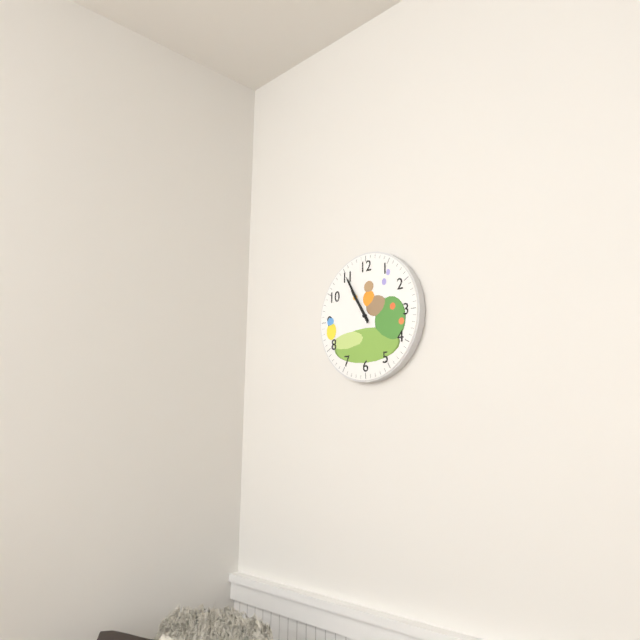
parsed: **10:55**
